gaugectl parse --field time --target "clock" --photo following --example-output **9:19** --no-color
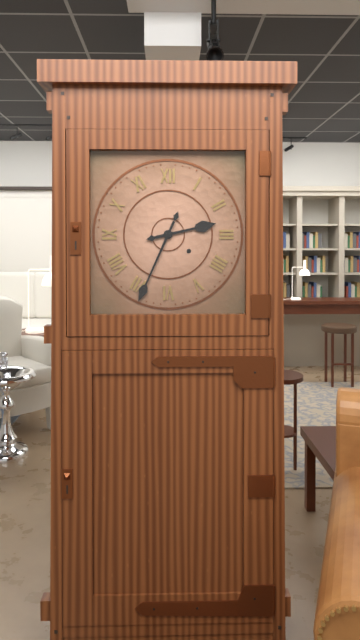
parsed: **2:34**
